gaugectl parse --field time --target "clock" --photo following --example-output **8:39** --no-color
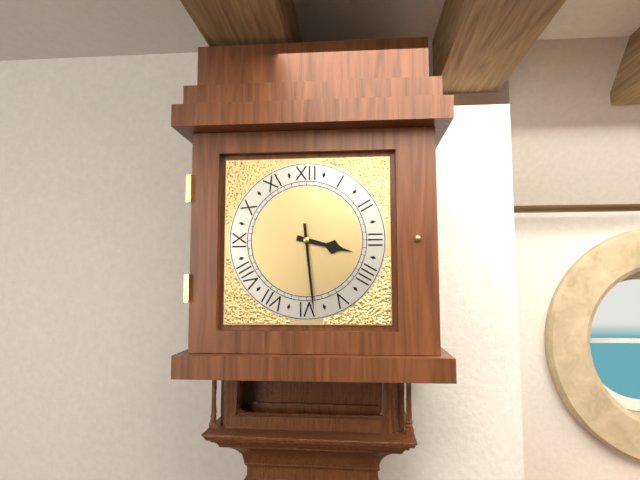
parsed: **3:29**
